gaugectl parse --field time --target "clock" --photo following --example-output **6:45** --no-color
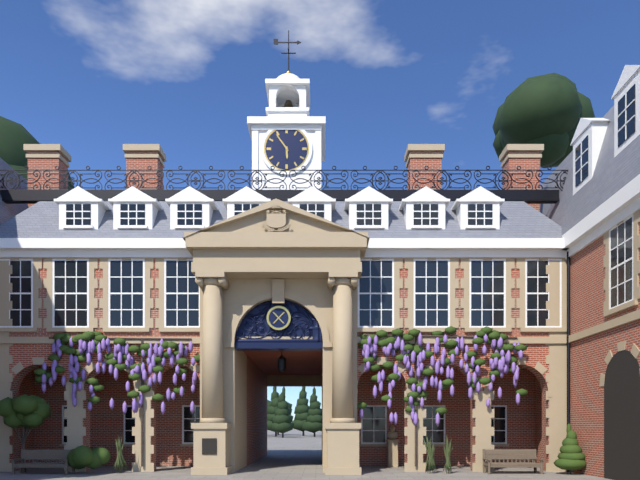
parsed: **5:54**
